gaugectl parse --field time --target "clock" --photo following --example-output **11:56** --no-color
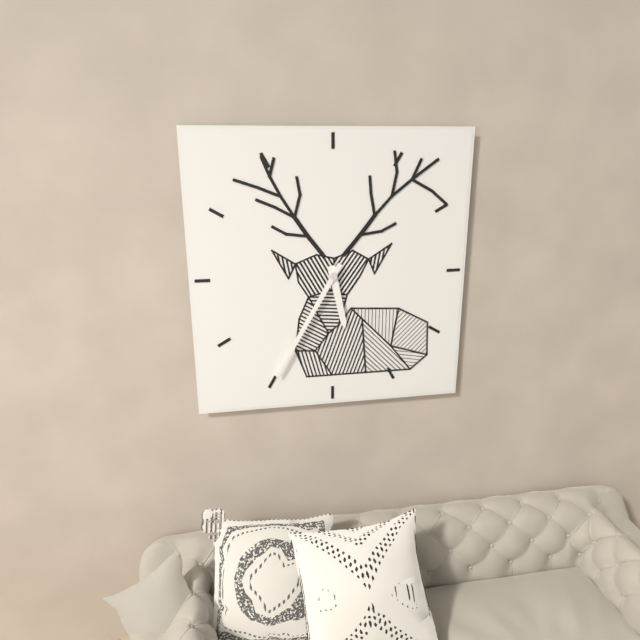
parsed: **5:35**
